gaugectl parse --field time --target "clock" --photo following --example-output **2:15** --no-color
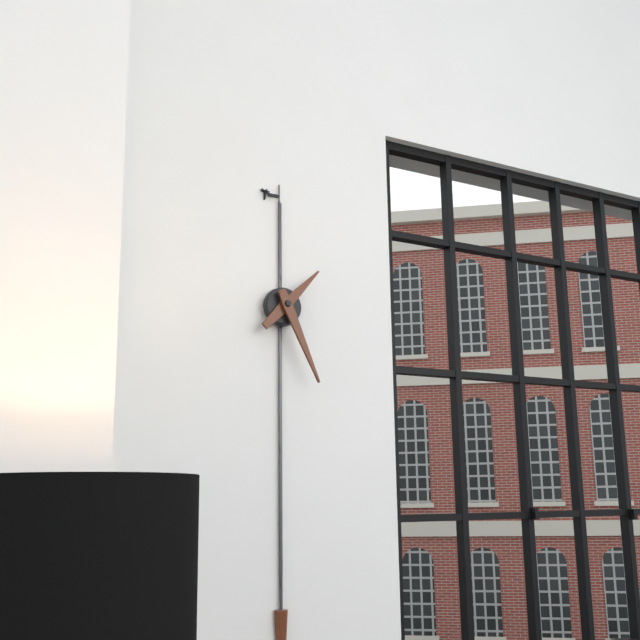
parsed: **1:26**
